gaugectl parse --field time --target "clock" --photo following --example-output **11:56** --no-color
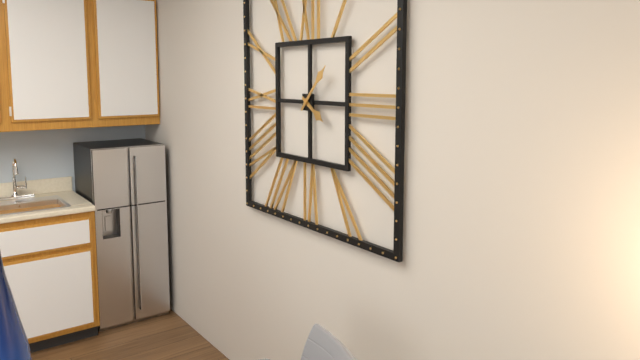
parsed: **4:07**
